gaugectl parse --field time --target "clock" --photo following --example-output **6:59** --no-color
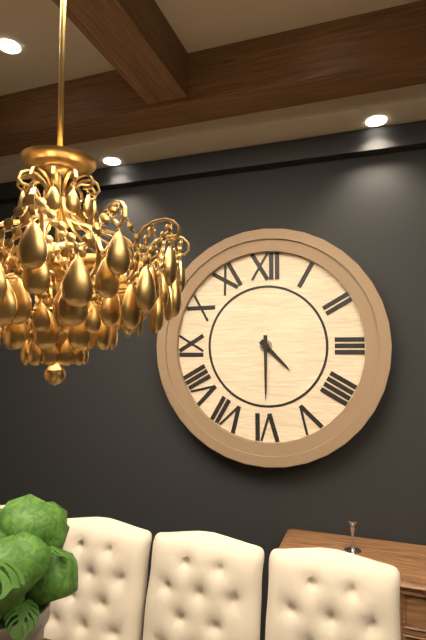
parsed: **4:30**
